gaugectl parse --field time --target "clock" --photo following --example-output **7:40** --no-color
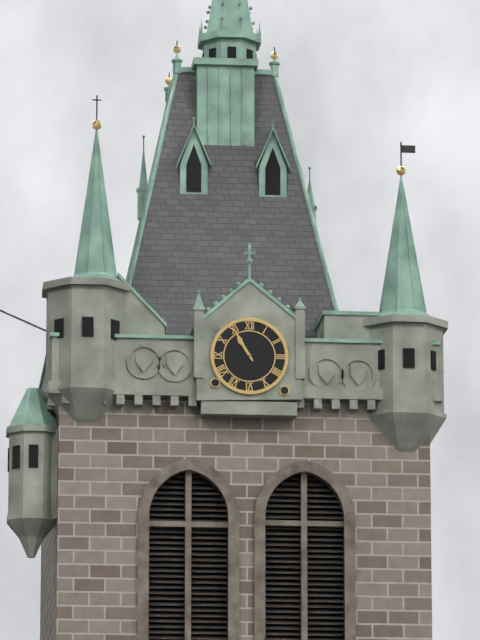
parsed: **10:55**
